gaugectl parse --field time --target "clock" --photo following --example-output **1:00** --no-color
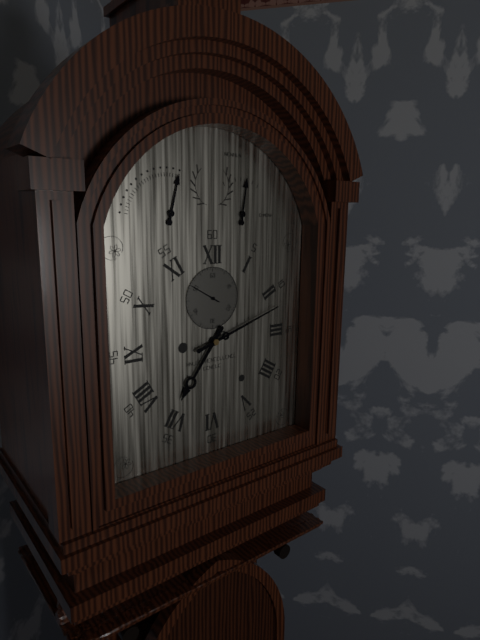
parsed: **7:12**
